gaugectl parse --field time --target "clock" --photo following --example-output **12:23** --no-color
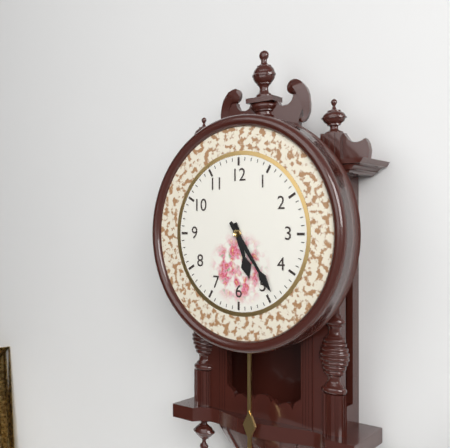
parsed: **5:24**
